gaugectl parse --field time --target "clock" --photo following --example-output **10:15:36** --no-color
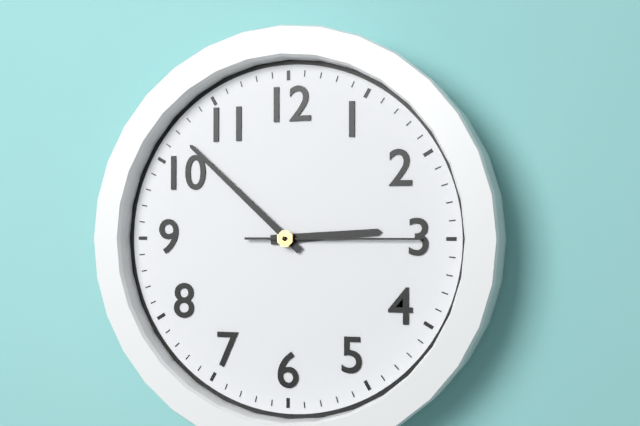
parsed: **2:52:15**
